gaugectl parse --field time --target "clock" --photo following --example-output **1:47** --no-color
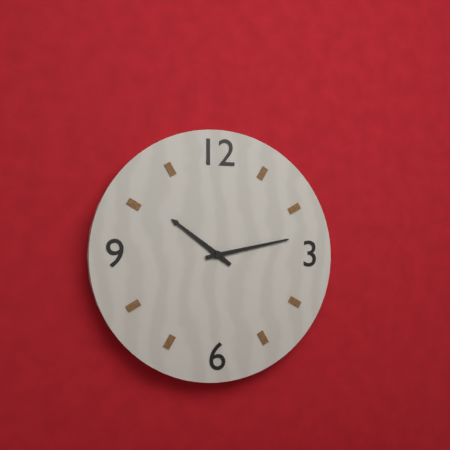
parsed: **10:13**
